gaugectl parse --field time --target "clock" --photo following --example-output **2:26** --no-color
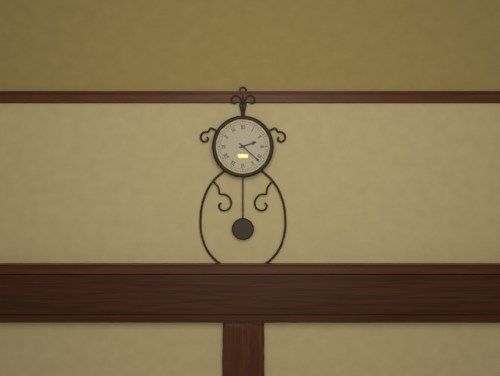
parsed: **2:22**
